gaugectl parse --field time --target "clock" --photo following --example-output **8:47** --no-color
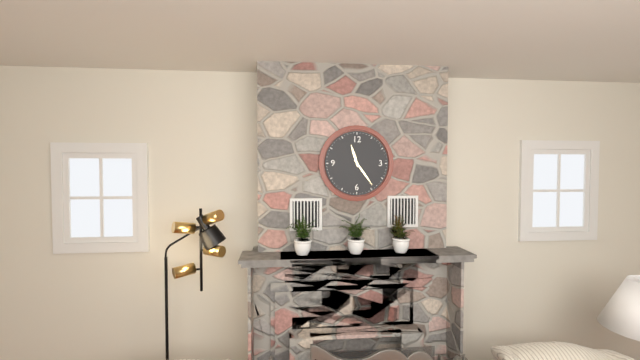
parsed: **11:24**
